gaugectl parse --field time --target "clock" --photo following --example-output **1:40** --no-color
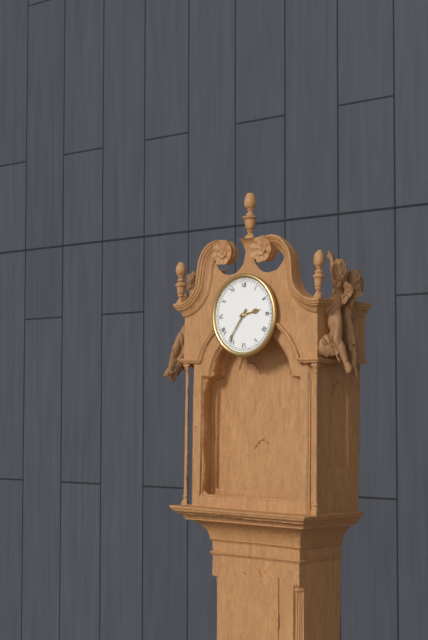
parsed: **2:36**
